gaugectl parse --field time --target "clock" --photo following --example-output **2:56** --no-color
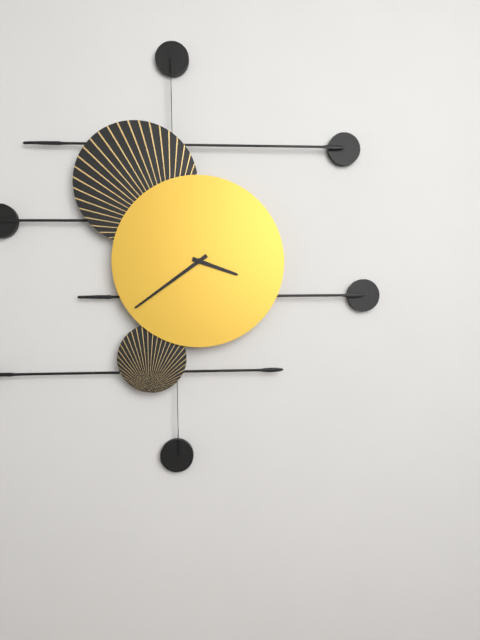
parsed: **3:39**
